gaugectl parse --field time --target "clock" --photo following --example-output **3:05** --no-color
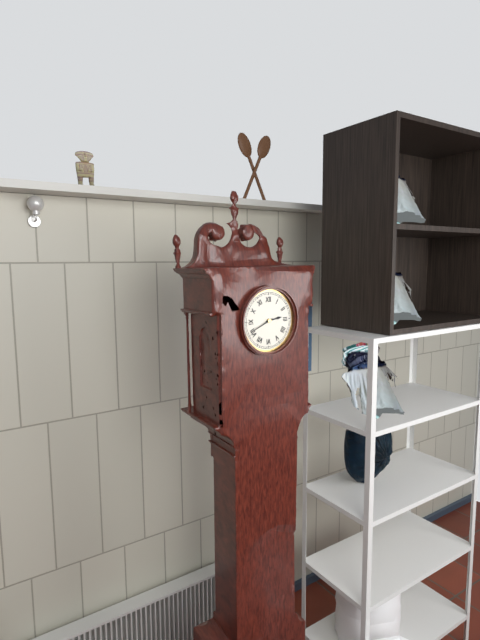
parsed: **2:41**
